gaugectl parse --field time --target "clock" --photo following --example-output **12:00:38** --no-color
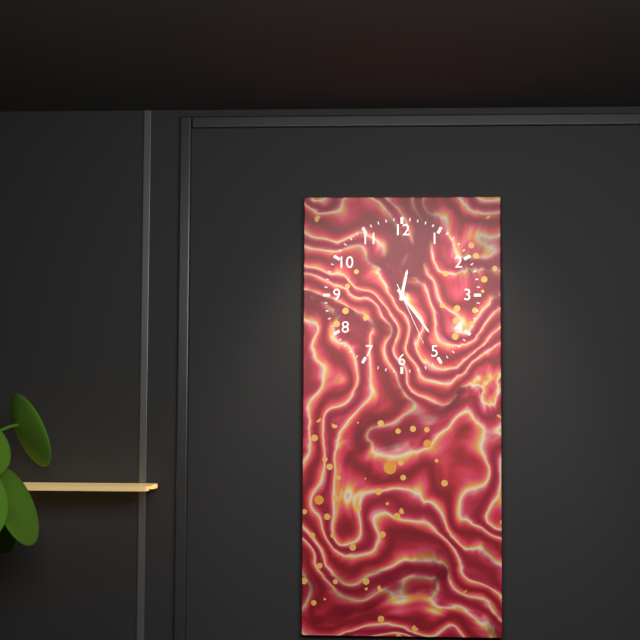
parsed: **12:24:26**
